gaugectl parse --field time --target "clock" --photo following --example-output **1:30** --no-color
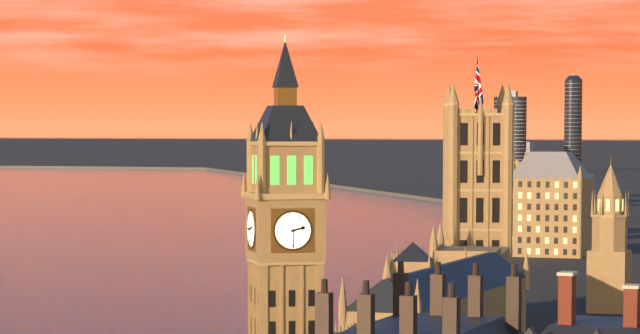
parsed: **2:30**
